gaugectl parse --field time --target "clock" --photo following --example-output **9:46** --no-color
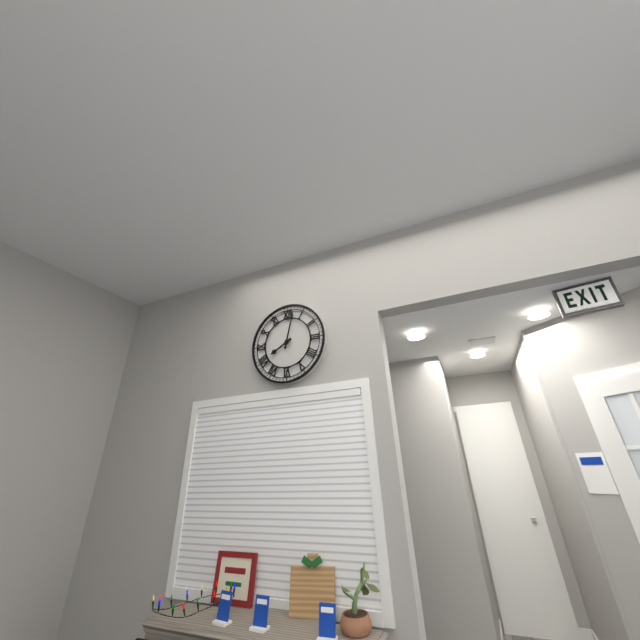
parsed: **8:02**
